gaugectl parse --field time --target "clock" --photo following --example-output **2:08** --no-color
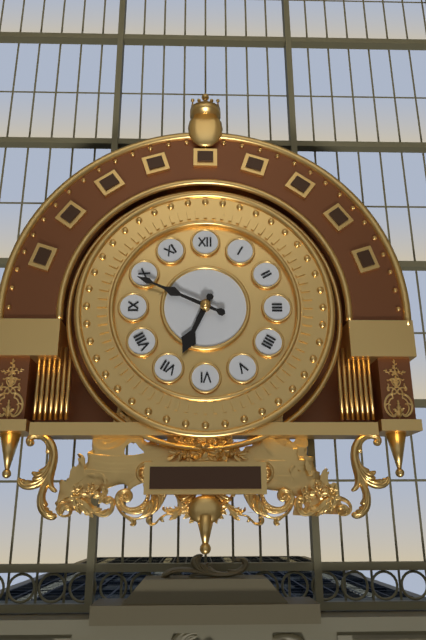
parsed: **6:49**
